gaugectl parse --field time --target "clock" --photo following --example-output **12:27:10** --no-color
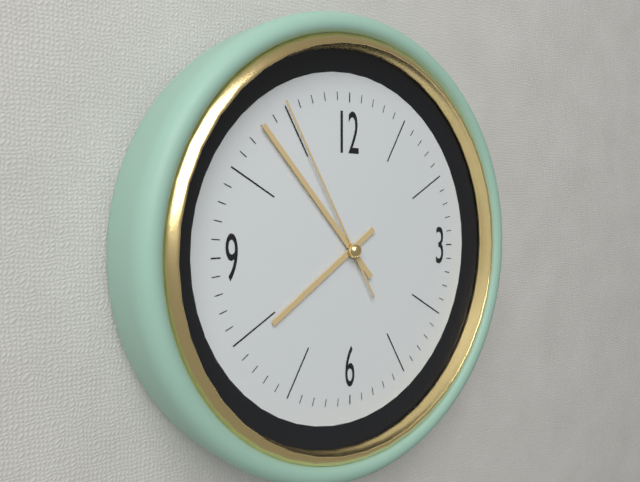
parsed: **7:53:55**
